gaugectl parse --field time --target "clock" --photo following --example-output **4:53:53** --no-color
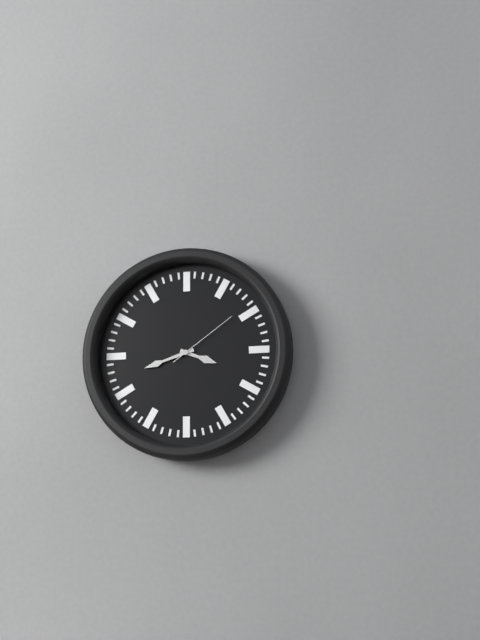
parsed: **3:42:09**
